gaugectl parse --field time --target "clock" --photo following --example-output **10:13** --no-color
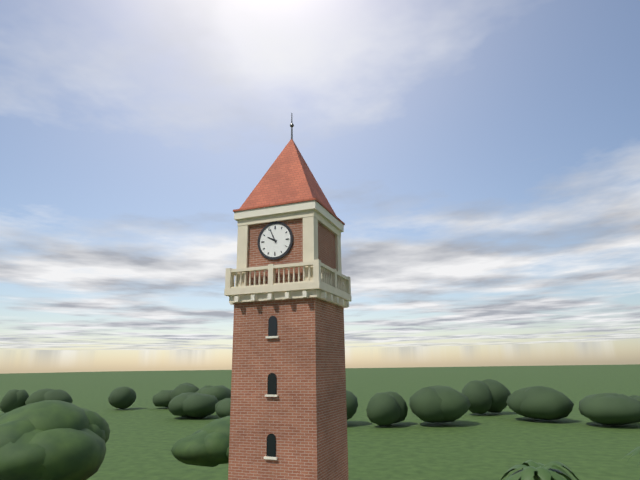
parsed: **9:56**
